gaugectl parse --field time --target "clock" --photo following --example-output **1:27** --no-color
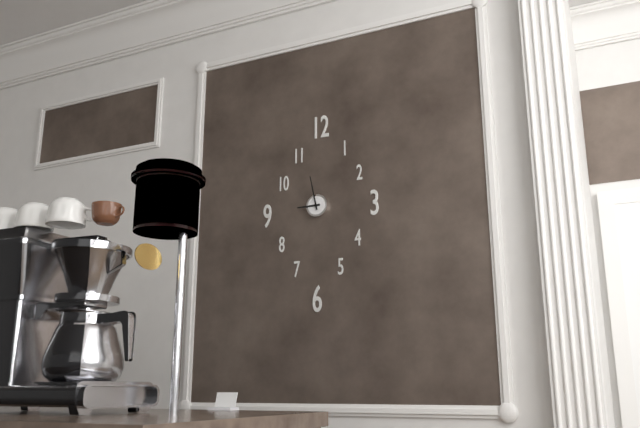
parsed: **8:58**
